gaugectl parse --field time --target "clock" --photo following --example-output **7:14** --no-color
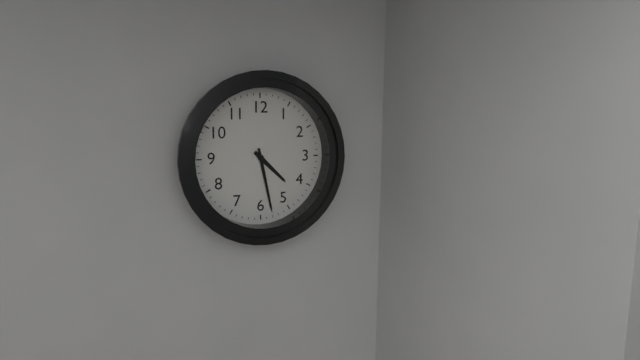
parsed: **4:28**
